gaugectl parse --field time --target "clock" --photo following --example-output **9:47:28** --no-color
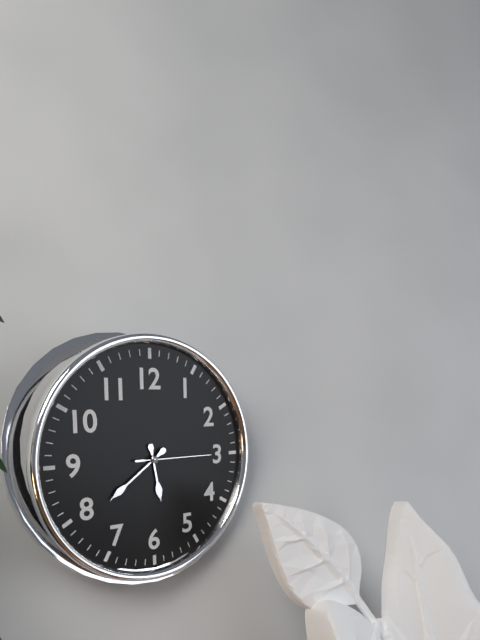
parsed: **5:39:15**
